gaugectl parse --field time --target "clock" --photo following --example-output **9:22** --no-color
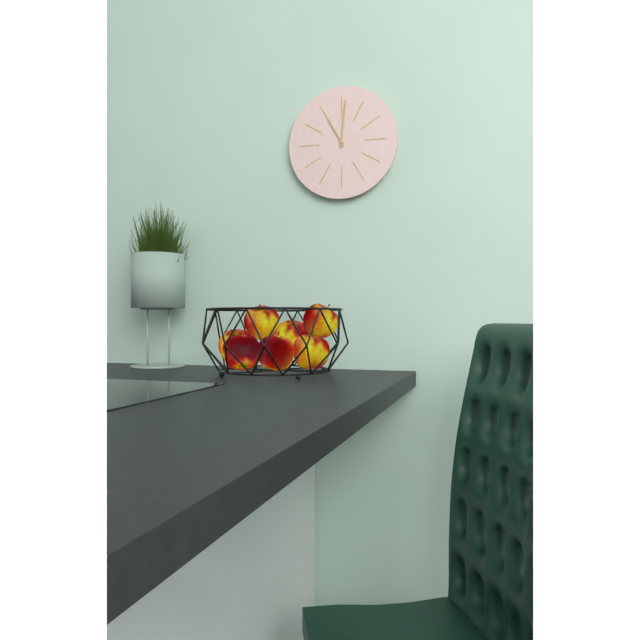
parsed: **11:01**
